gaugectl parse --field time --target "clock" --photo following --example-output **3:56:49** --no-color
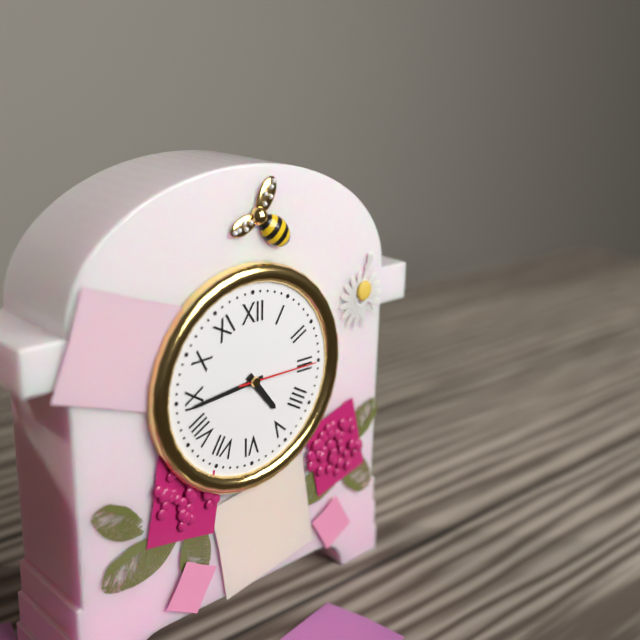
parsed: **4:44:15**
